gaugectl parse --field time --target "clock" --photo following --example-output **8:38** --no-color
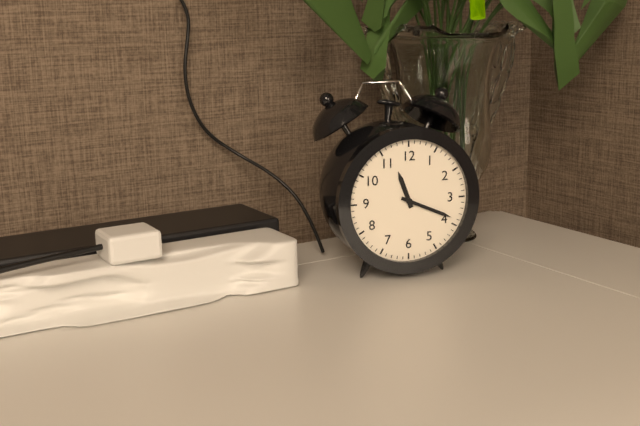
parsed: **11:19**
